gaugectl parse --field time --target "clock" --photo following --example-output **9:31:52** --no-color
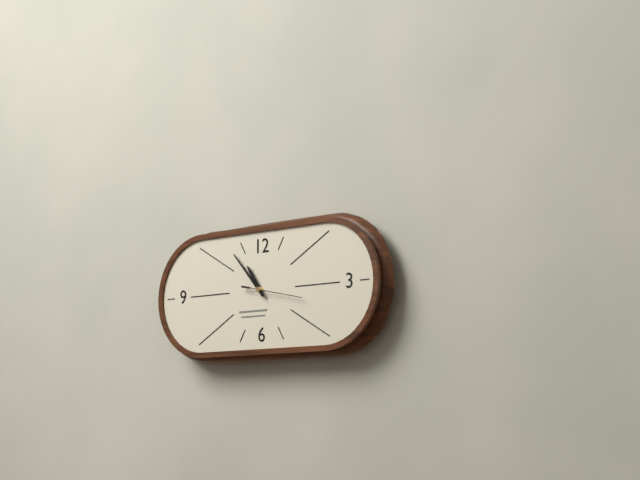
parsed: **10:53:17**
